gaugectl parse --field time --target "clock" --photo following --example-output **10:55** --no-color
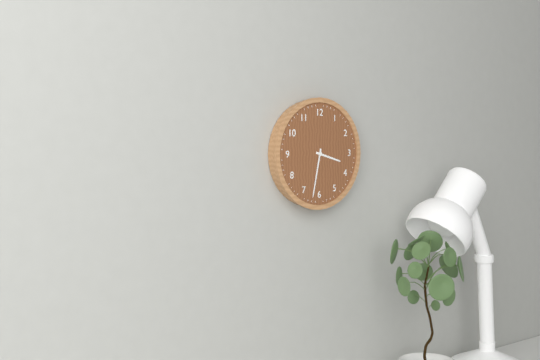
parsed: **3:32**
